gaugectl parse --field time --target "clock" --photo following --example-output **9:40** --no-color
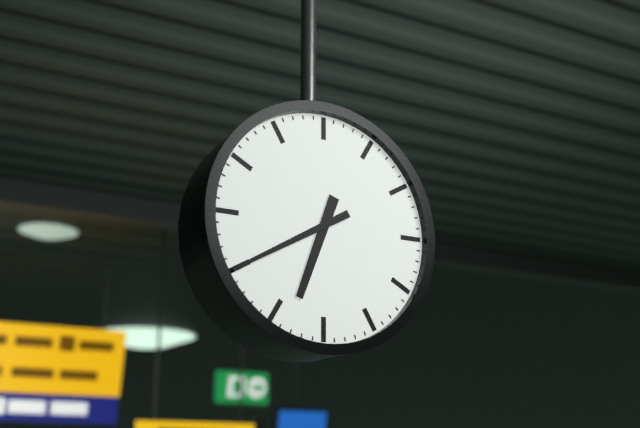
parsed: **6:40**
